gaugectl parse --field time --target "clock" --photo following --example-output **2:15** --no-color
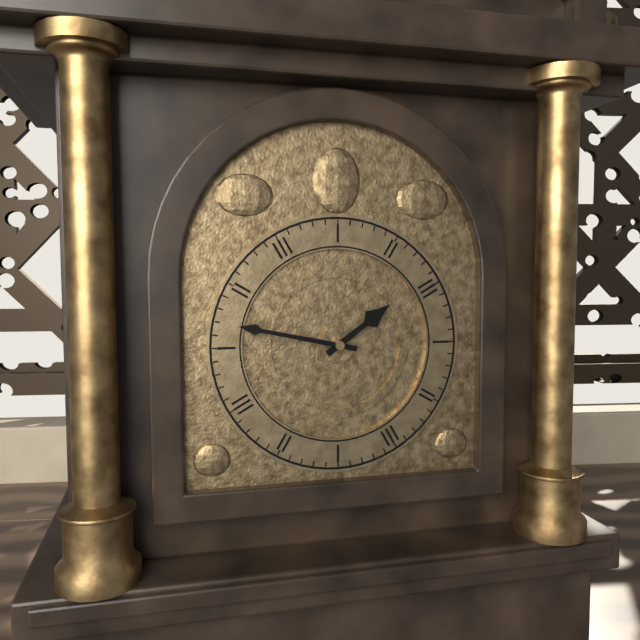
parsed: **1:47**
